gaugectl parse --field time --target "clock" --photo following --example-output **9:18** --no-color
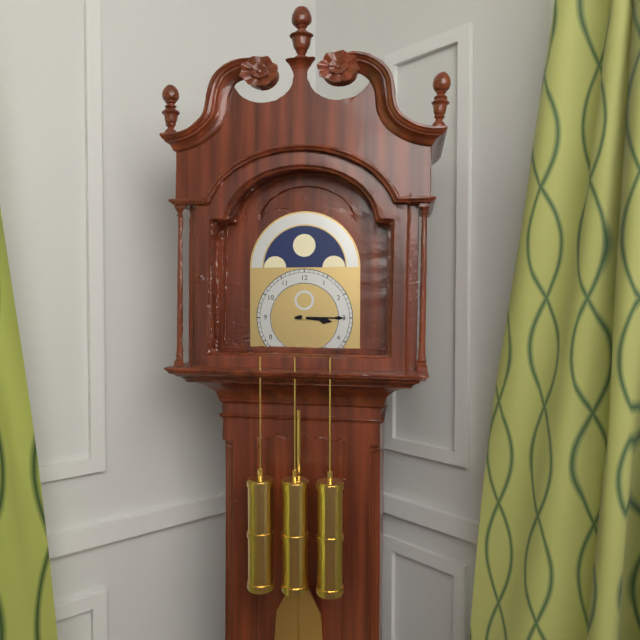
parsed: **3:15**
